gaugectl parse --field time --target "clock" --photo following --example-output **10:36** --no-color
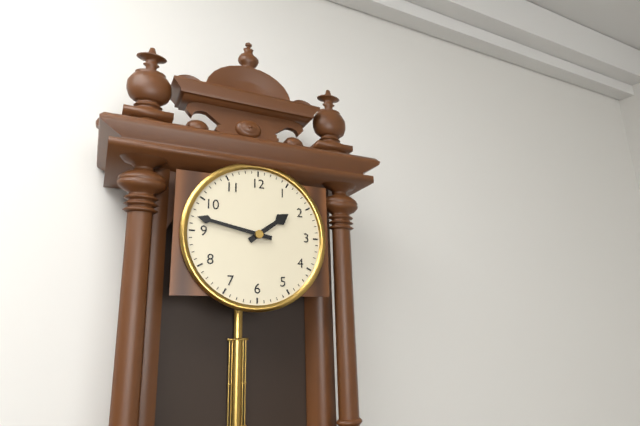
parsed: **1:47**
